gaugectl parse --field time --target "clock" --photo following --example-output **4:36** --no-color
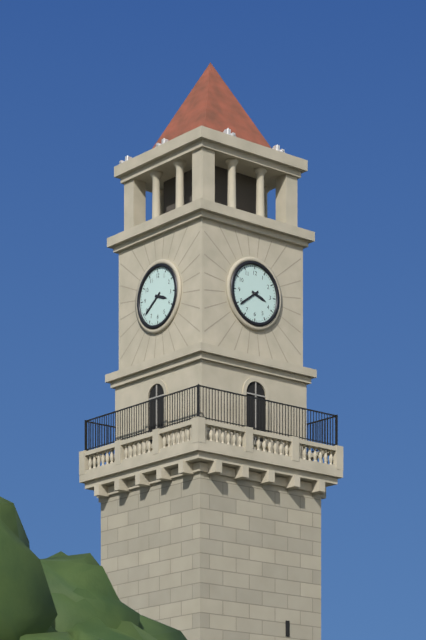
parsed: **3:39**
